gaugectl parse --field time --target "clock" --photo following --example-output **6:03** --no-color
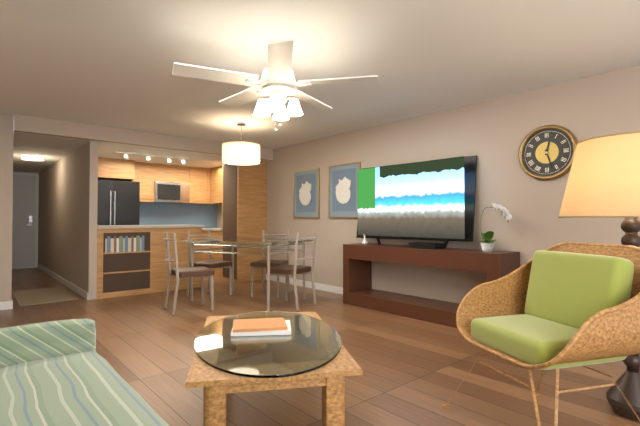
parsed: **12:27**
